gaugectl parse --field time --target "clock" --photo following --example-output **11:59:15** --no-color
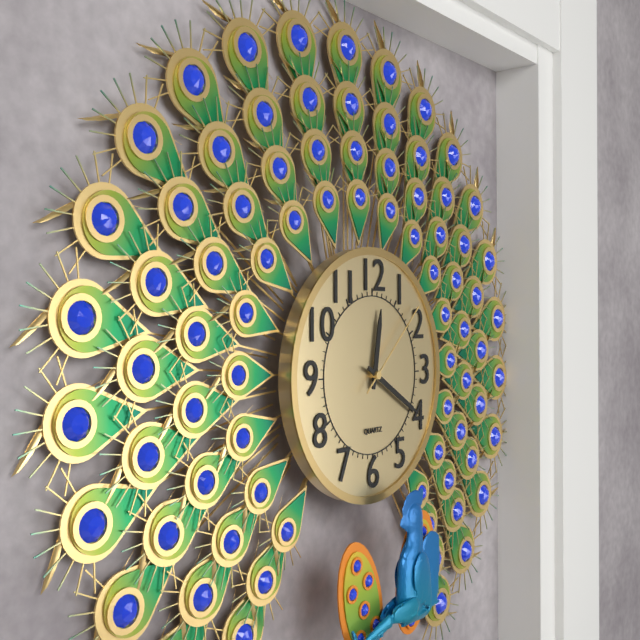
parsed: **12:20:08**
